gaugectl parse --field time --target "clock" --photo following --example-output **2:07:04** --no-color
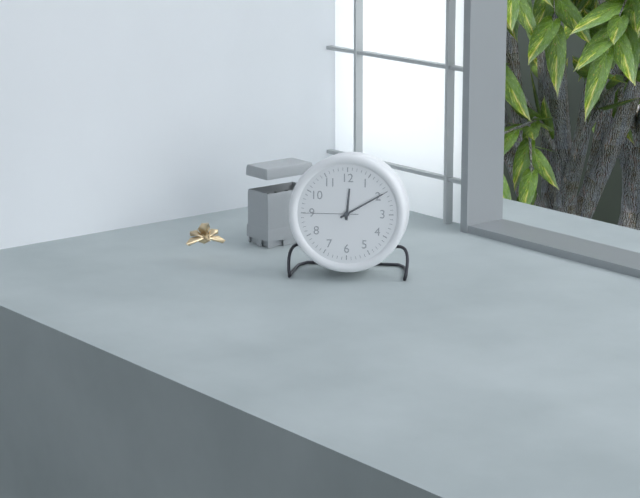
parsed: **12:10:45**
